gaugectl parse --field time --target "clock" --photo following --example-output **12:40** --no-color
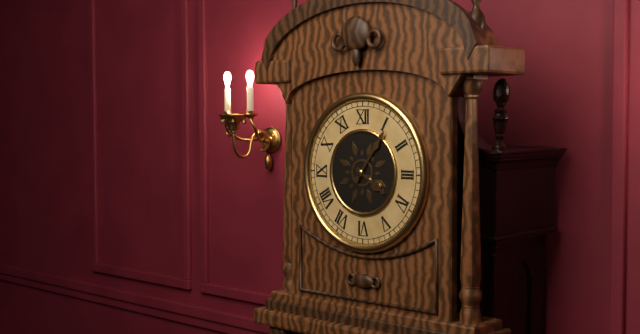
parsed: **4:06**
